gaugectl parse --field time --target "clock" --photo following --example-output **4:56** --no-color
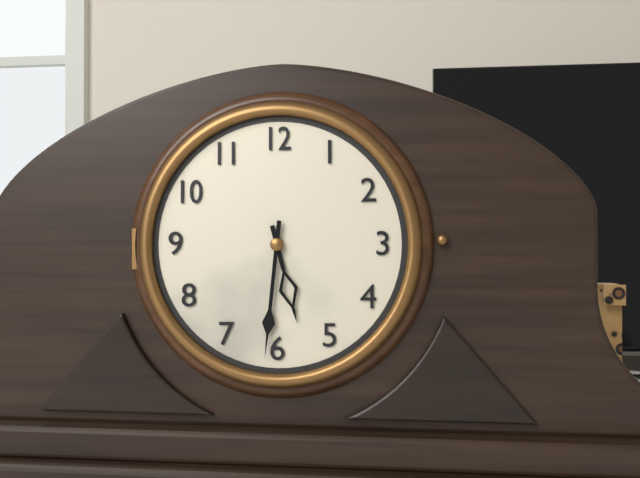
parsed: **5:31**
